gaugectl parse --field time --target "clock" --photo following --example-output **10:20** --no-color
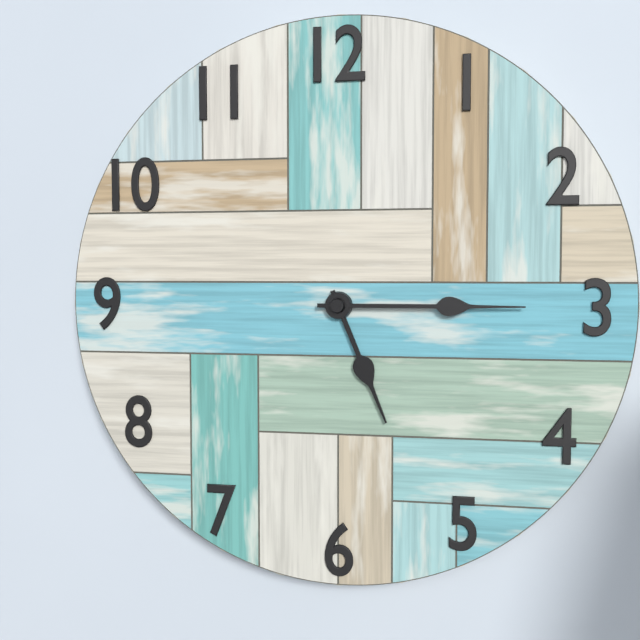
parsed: **5:15**
